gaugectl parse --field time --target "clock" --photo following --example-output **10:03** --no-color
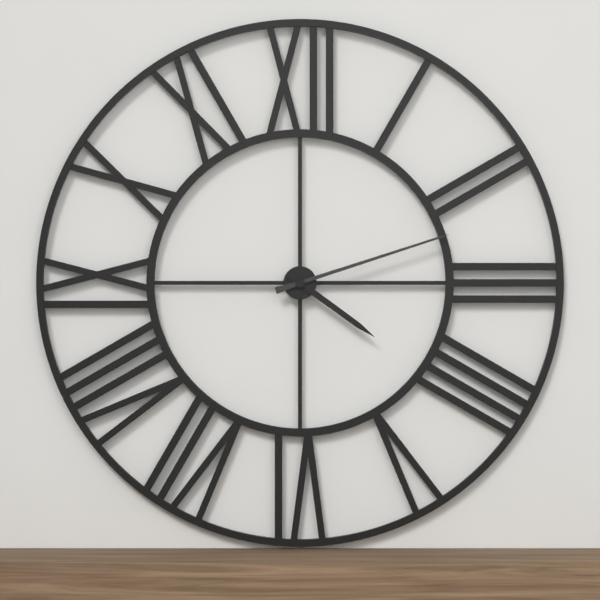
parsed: **4:12**
